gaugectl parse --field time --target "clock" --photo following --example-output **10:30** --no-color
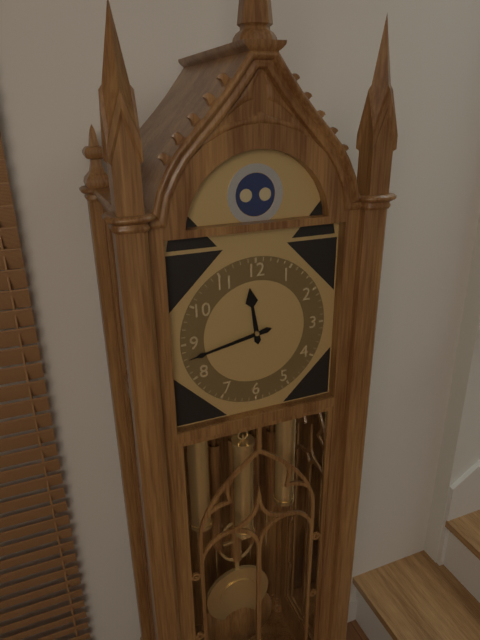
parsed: **11:43**
